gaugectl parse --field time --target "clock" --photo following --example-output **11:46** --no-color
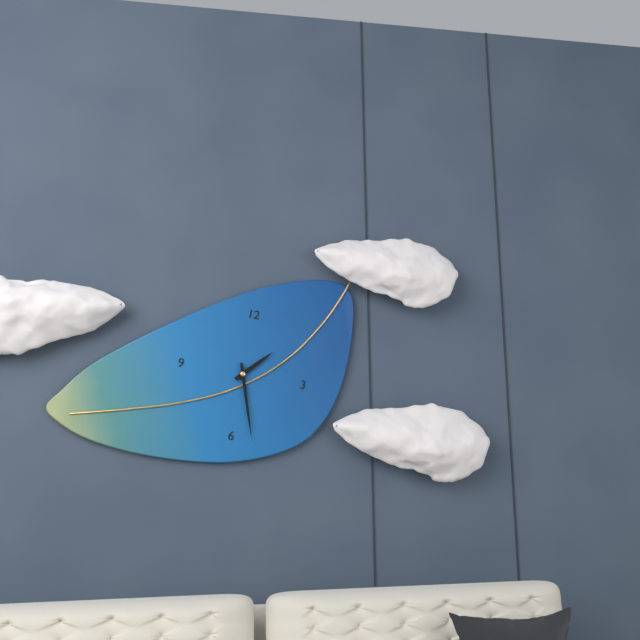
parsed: **1:27**
